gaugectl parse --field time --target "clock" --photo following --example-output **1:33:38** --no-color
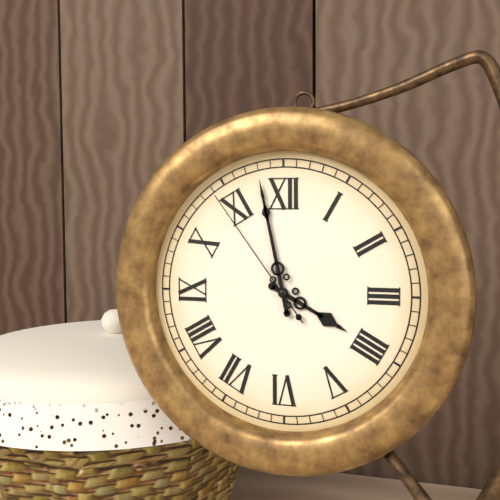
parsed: **3:58:54**
